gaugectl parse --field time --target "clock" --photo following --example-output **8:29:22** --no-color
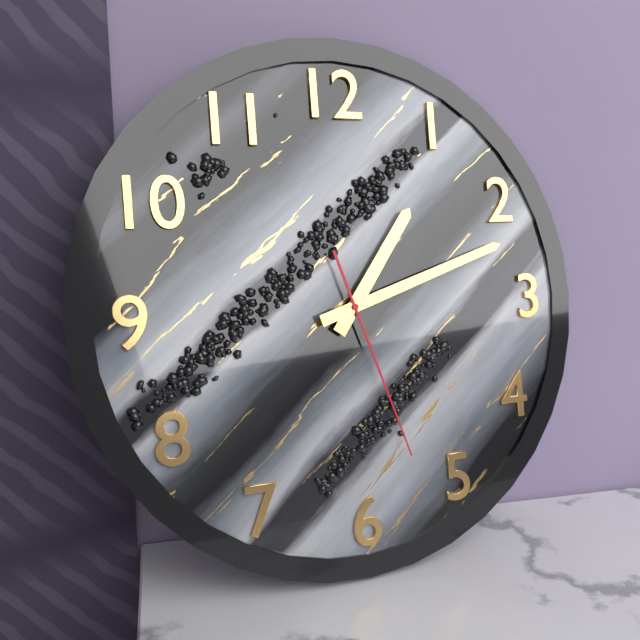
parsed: **1:12:27**
